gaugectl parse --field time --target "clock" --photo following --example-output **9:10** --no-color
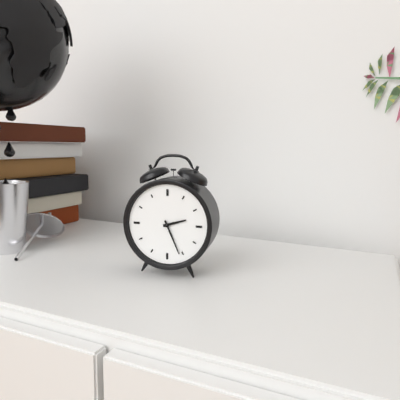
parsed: **2:26**
